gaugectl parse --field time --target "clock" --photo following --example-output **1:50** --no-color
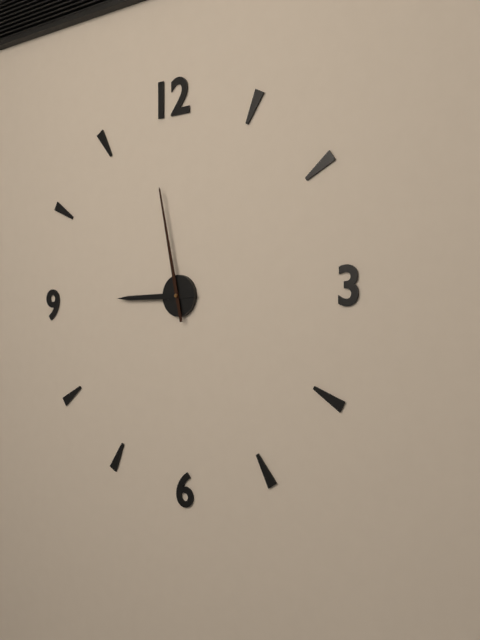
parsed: **8:58**
